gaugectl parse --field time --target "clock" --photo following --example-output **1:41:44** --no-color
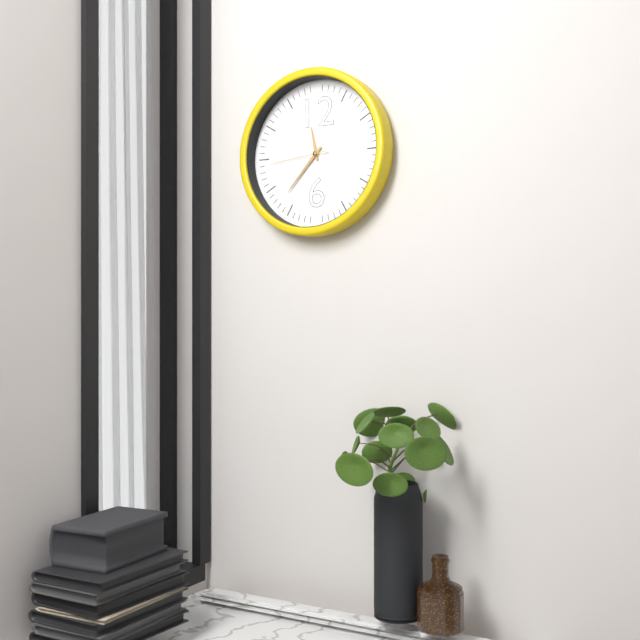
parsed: **11:37:44**
